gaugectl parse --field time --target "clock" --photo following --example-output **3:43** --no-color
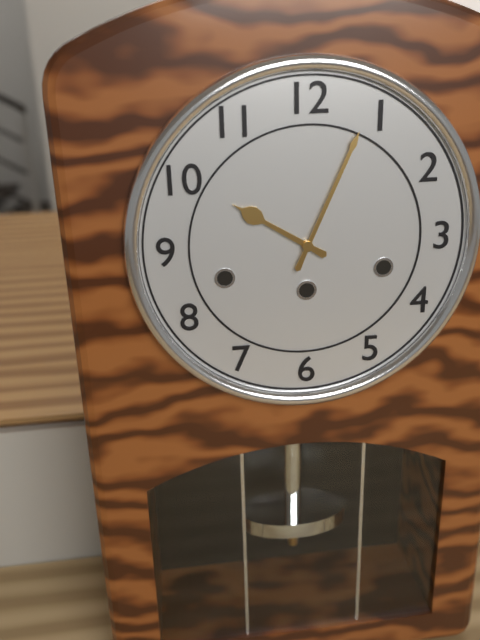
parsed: **10:04**
